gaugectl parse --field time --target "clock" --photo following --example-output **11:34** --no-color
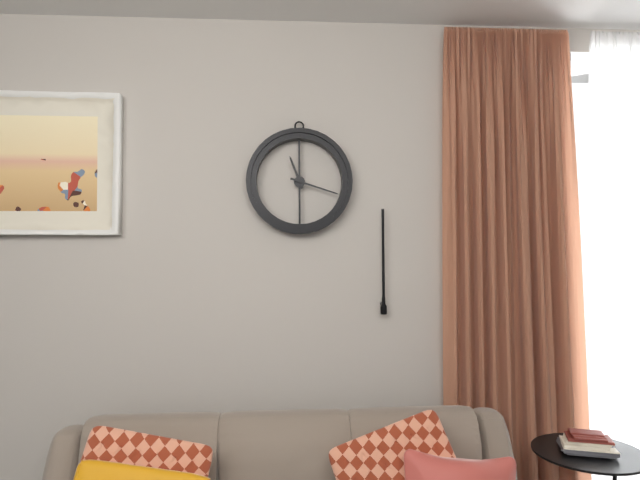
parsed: **11:18**
